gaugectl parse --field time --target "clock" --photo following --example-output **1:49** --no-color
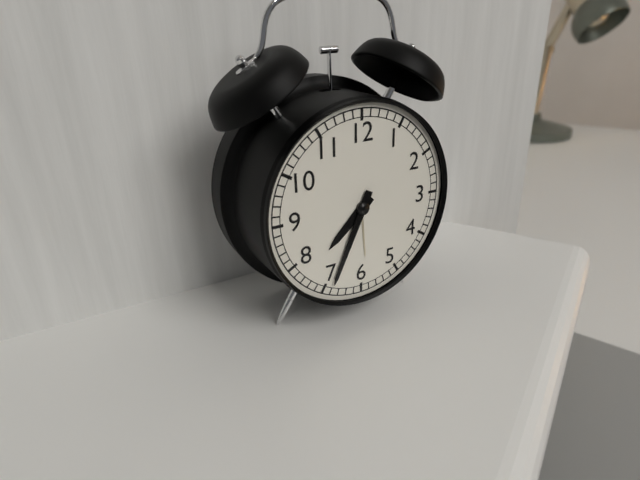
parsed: **7:34**
